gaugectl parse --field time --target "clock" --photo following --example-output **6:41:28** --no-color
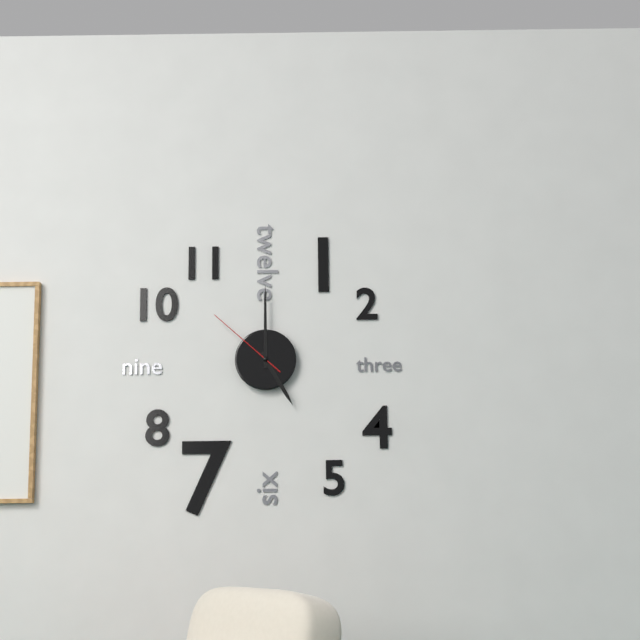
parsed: **5:00:52**
